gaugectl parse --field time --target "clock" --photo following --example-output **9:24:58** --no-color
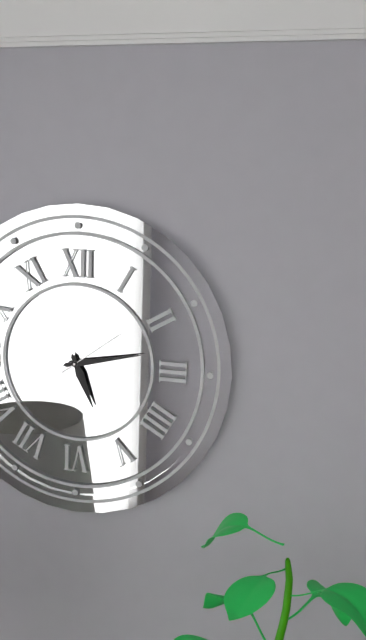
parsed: **5:13:09**
